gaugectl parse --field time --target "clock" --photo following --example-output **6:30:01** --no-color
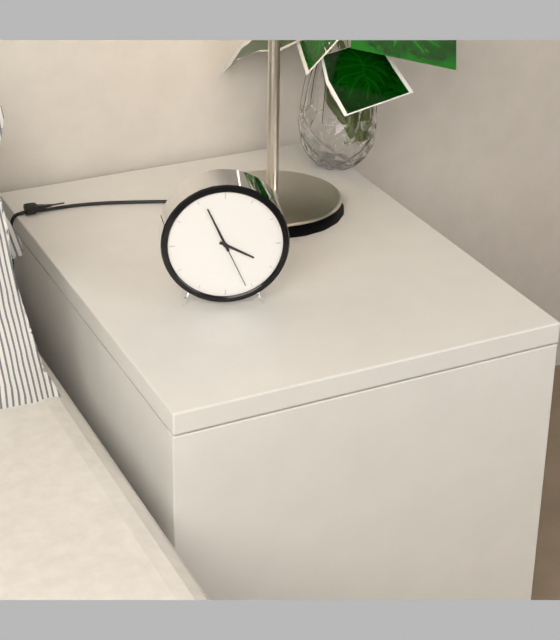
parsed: **3:56:26**
